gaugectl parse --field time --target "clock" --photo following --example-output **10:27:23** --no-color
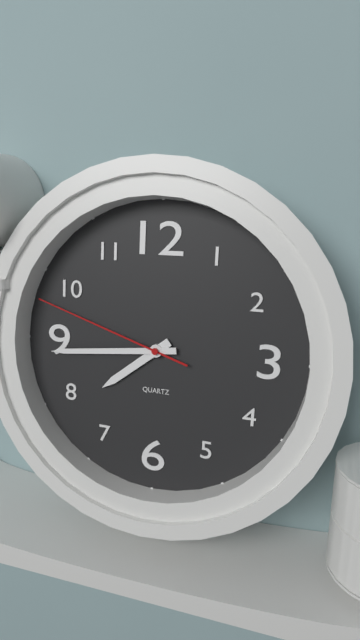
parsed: **7:44:48**
